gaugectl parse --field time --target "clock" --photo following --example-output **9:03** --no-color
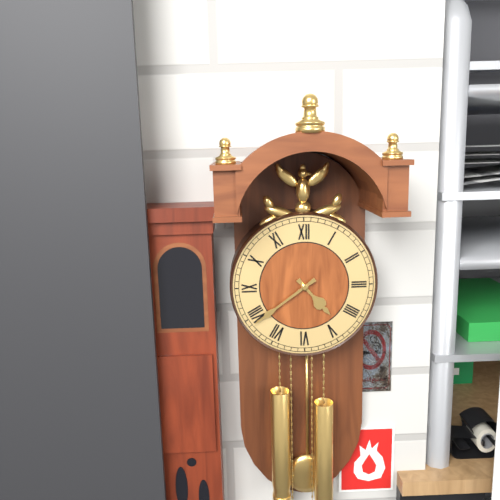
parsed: **4:39**
